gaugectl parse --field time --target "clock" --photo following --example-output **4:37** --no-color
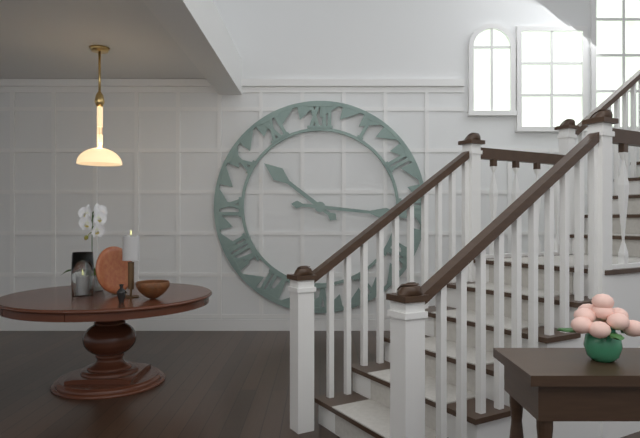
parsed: **10:16**
